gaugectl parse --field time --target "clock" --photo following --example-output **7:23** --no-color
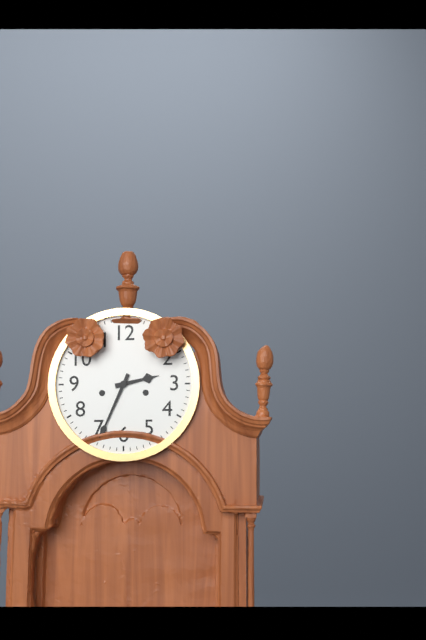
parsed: **2:34**
